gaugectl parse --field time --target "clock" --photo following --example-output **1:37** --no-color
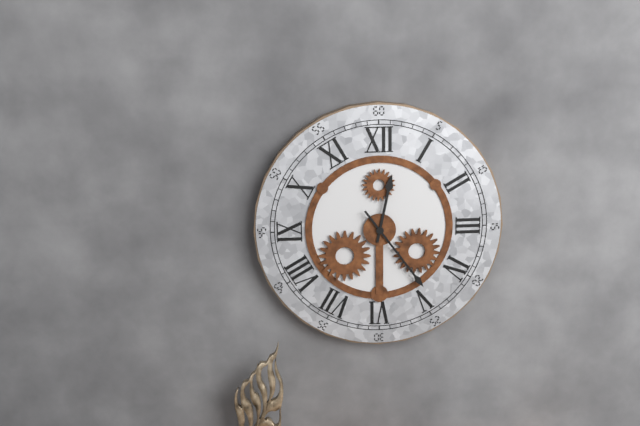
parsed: **12:24**
